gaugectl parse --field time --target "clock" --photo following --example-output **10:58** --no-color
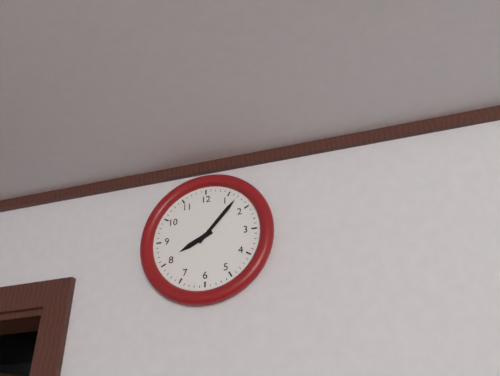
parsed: **8:07**
